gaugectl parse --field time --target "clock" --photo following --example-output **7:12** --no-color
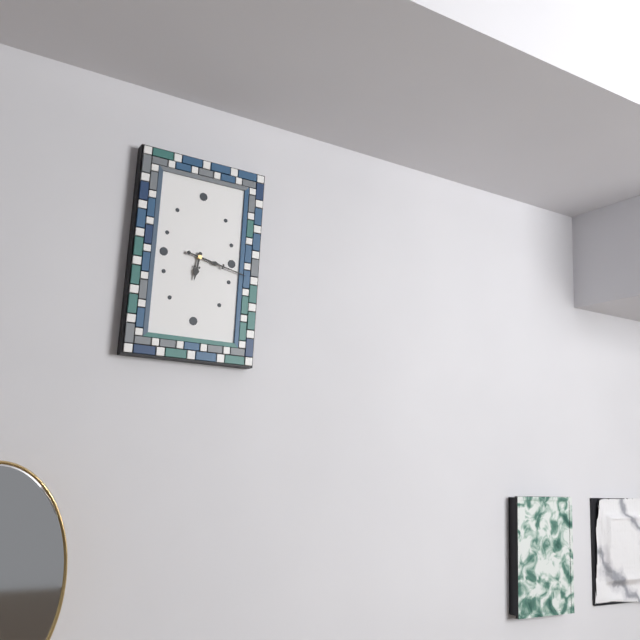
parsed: **6:17**
